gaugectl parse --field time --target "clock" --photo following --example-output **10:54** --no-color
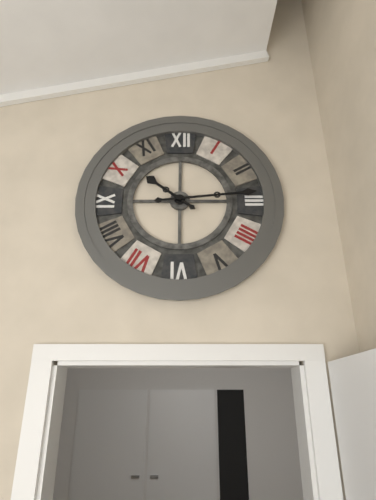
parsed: **10:14**
